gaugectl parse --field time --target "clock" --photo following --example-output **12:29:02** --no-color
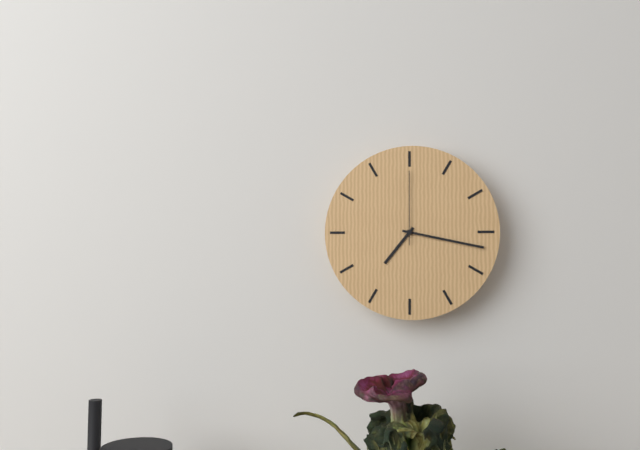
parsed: **7:17:00**
